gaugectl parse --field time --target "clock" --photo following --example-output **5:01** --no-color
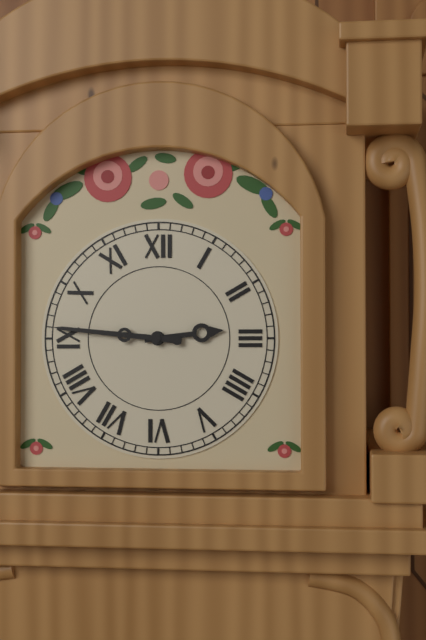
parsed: **2:46**
